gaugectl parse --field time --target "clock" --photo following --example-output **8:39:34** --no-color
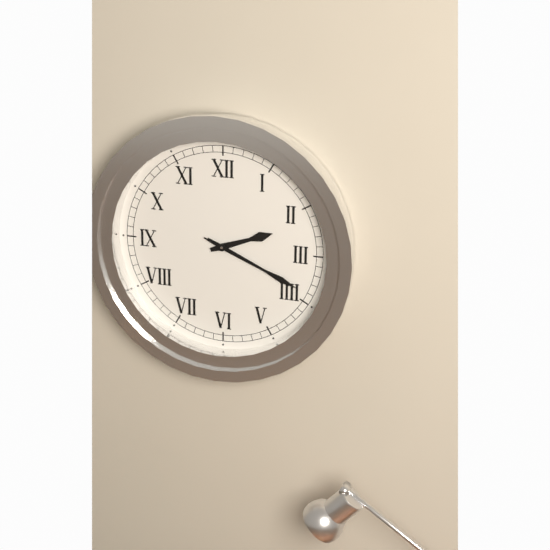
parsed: **2:19:19**
